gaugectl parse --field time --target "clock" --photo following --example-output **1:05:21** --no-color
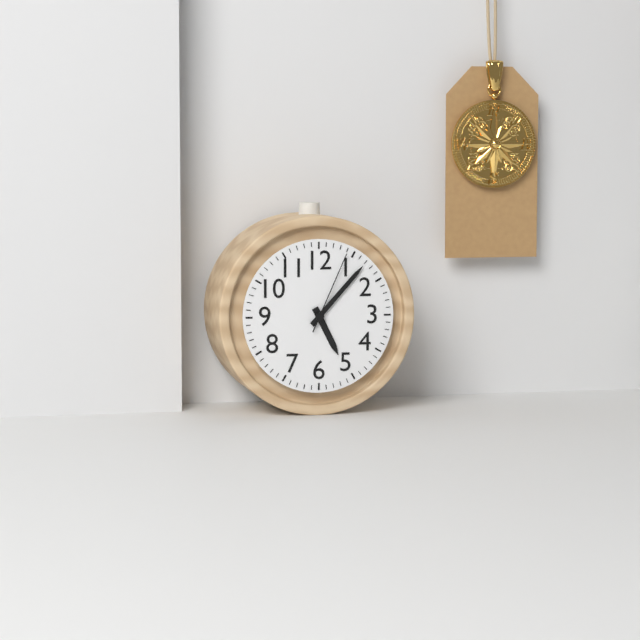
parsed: **5:07:04**
